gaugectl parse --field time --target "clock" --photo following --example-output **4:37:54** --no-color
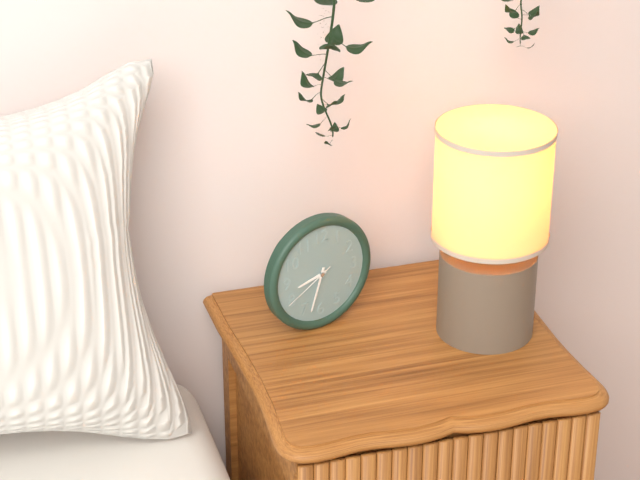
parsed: **8:33:40**
